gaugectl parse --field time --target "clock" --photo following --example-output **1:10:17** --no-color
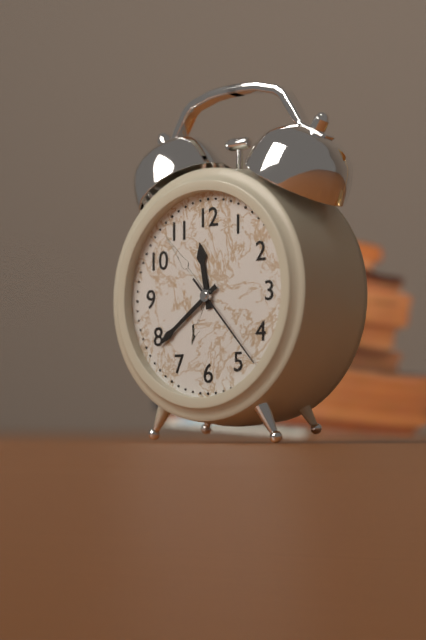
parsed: **11:39:23**
